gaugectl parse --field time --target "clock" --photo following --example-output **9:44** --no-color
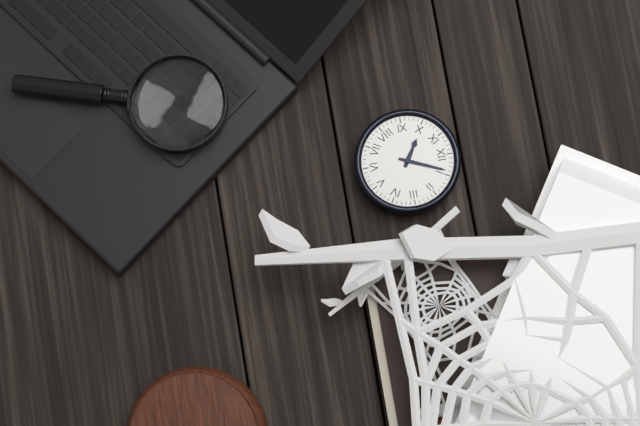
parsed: **10:04**
